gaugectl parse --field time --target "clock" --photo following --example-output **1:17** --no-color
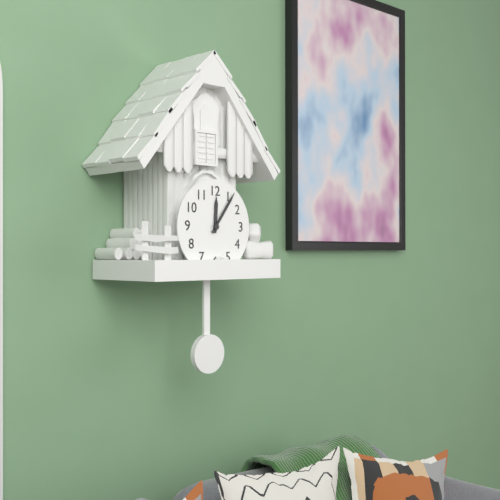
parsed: **12:06**
